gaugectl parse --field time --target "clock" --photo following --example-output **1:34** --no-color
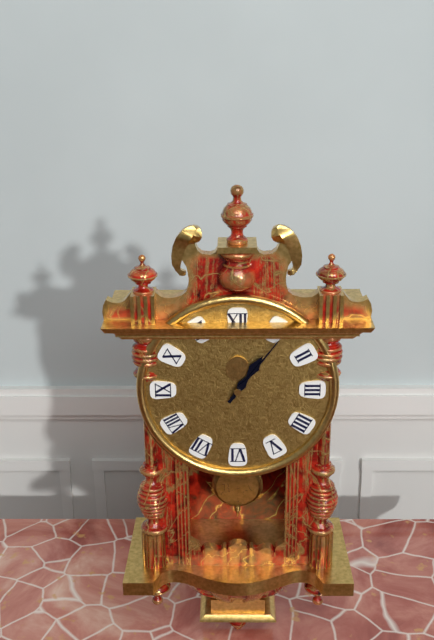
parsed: **1:06**
